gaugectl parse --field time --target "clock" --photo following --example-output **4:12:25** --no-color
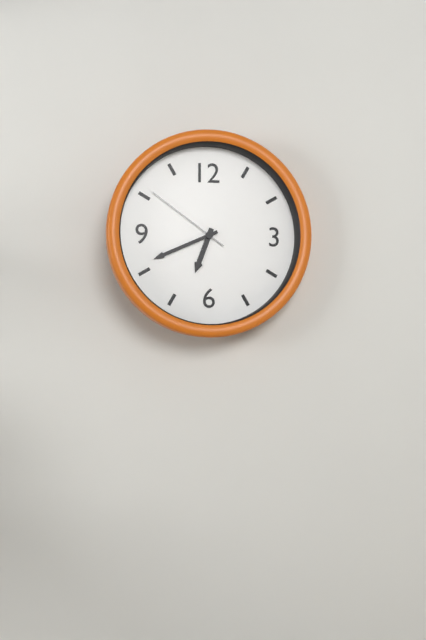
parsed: **6:41:51**
